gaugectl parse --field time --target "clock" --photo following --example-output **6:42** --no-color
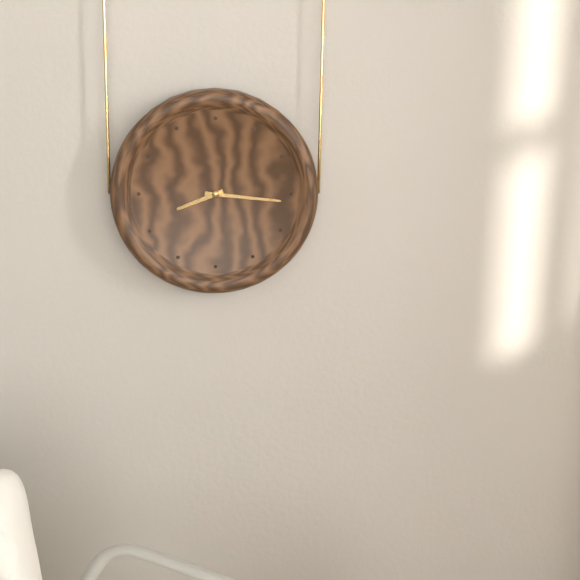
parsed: **8:16**
